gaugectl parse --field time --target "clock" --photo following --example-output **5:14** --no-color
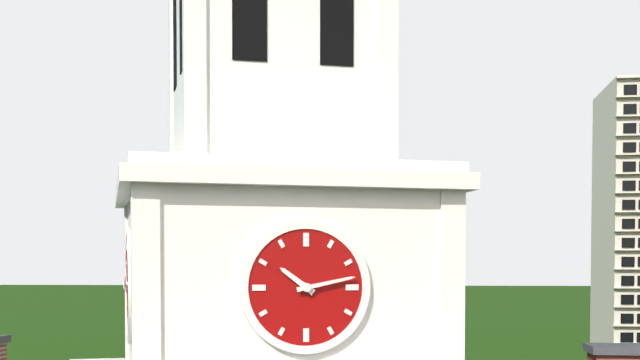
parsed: **10:13**
